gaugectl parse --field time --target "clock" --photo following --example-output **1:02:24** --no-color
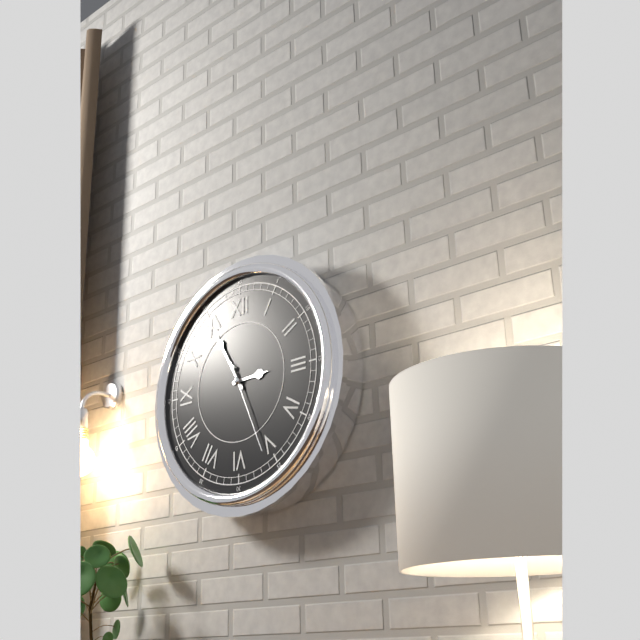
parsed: **2:55:26**
